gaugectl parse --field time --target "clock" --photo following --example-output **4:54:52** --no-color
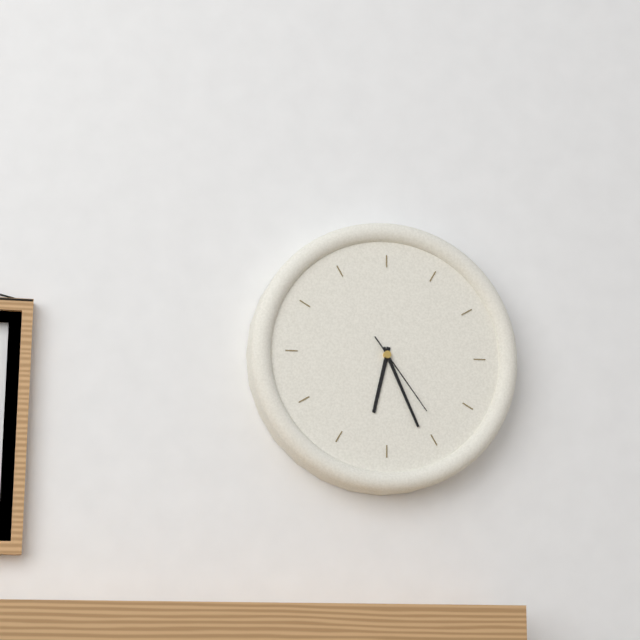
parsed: **6:26:24**
